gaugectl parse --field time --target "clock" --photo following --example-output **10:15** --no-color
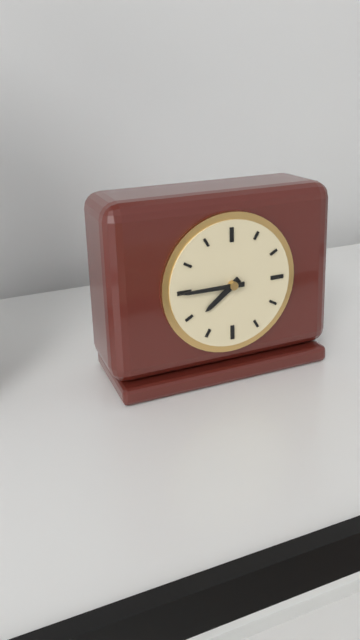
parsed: **7:45**
